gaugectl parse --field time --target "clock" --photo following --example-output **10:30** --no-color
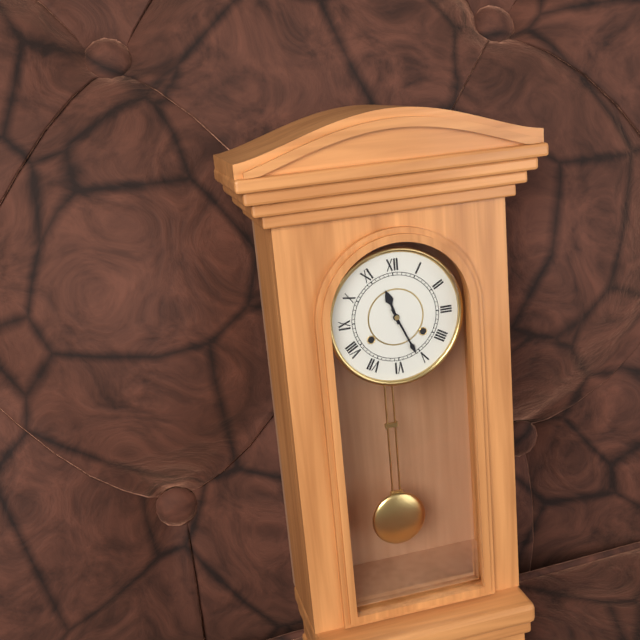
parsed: **11:26**
